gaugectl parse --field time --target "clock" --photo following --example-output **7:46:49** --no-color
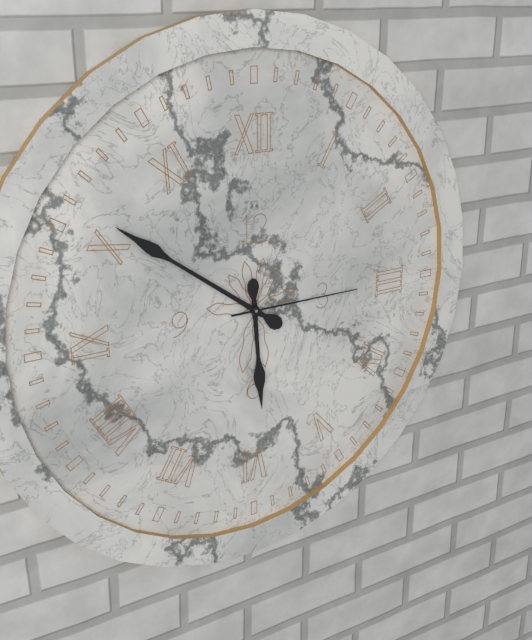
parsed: **5:51:15**
